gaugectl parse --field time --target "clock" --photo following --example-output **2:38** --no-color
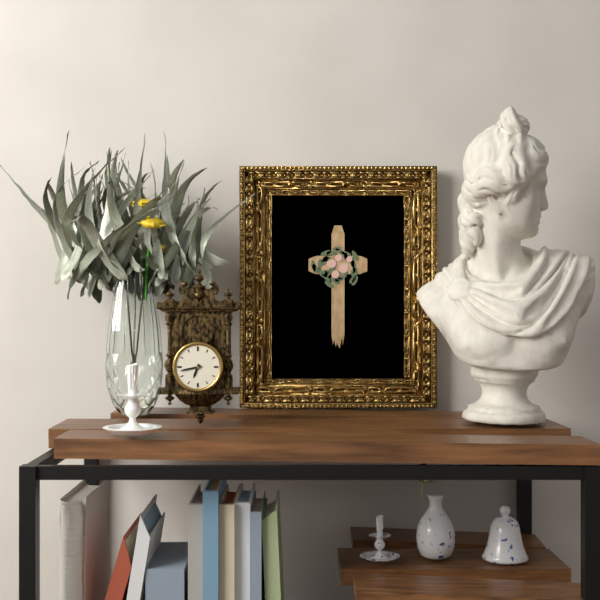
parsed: **6:43**
